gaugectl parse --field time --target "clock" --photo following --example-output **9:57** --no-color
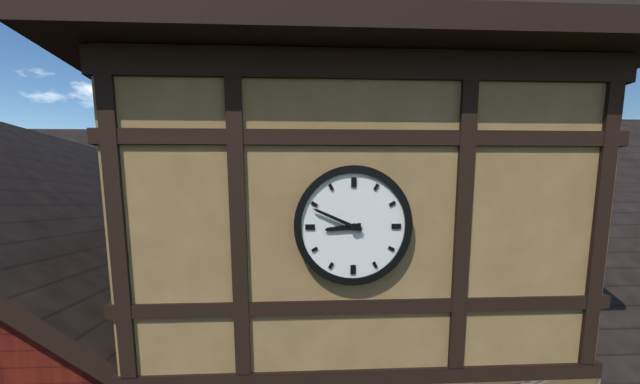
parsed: **8:49**
